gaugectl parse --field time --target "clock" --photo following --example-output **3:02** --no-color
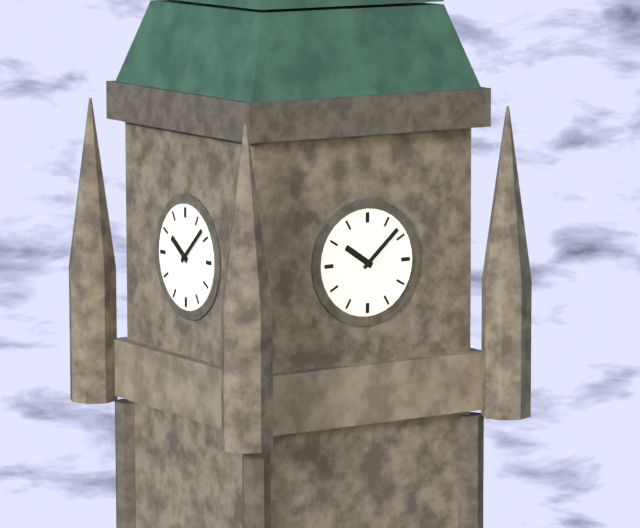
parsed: **10:08**
